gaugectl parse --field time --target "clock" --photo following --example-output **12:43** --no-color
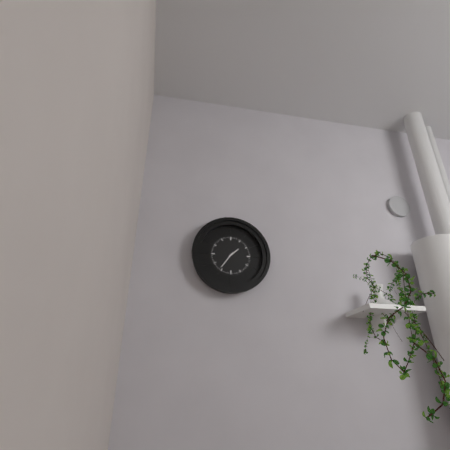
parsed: **1:36**
